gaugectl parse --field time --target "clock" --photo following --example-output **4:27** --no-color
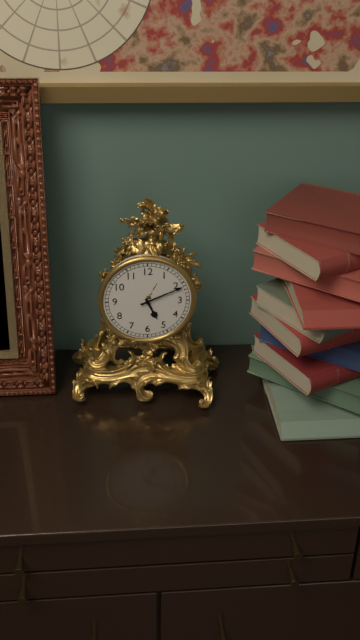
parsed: **5:11**
